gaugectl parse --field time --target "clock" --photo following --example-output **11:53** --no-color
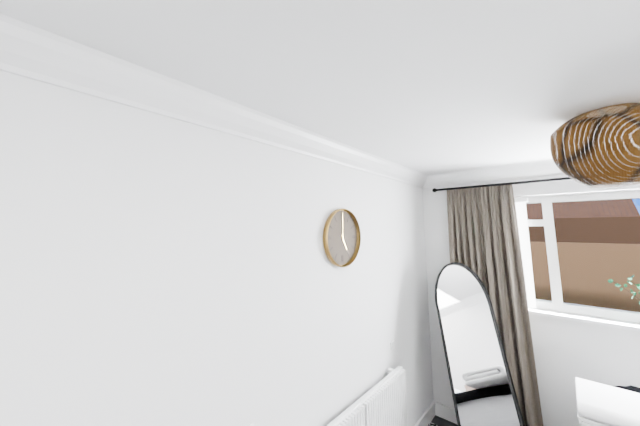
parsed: **5:00**
